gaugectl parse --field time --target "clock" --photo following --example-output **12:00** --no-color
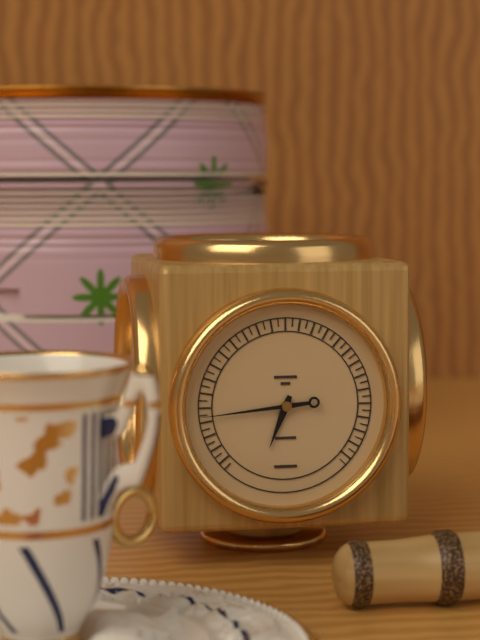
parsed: **6:44**
